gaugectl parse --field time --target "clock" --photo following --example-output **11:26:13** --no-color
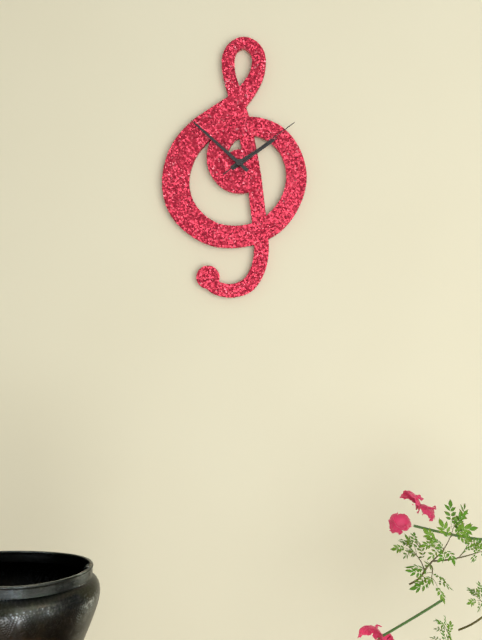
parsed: **1:52:09**
